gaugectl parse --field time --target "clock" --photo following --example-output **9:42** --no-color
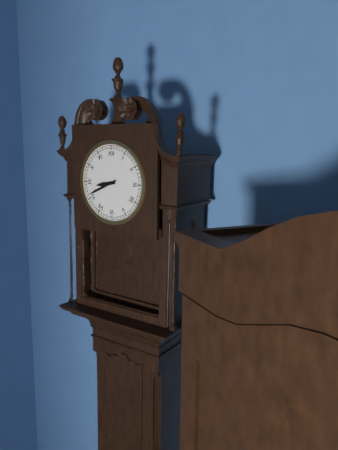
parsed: **8:41**
